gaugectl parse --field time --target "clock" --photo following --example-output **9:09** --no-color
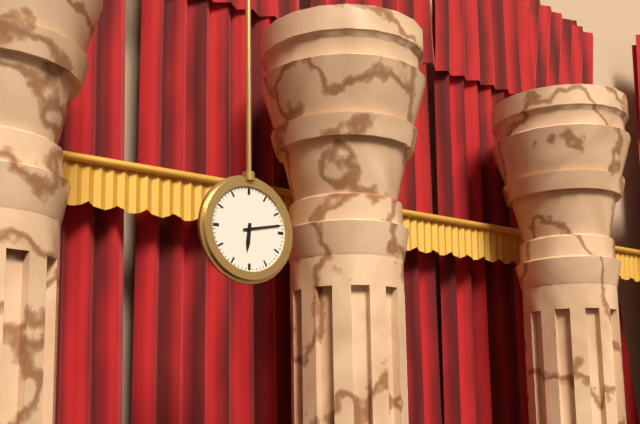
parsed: **6:13**
